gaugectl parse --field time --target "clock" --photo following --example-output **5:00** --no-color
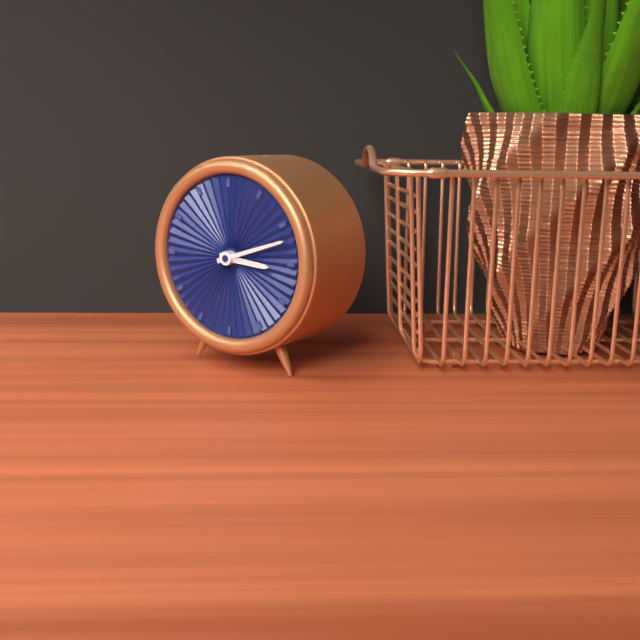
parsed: **3:12**
